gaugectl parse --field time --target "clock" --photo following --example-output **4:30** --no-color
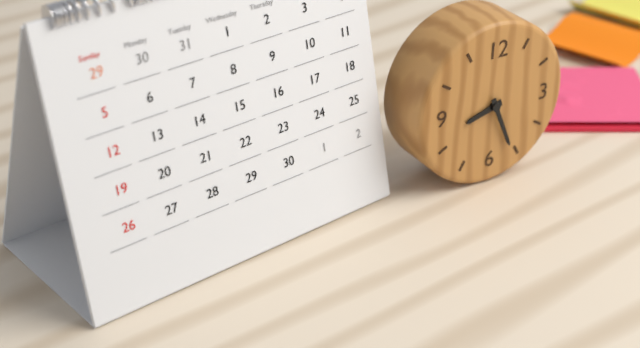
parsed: **8:26**
